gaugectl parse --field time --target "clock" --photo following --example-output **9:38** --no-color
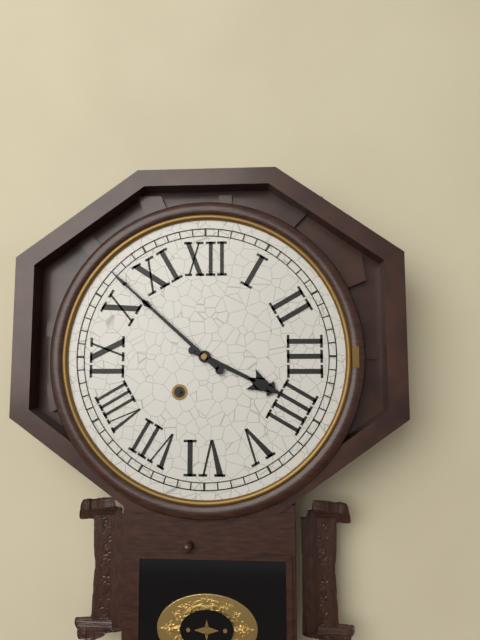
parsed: **3:52**
